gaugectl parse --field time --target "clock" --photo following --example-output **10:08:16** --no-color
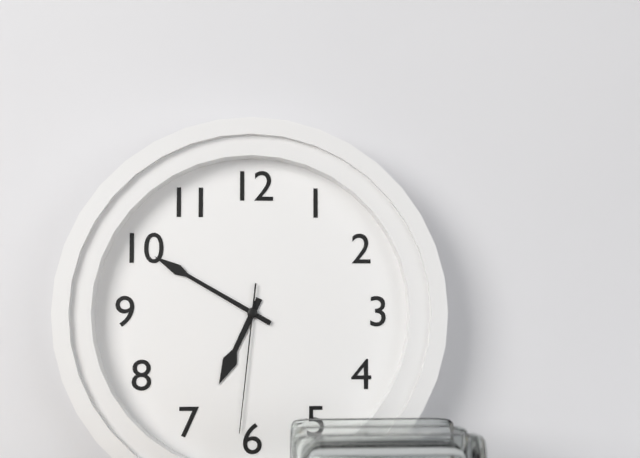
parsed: **6:50:31**
